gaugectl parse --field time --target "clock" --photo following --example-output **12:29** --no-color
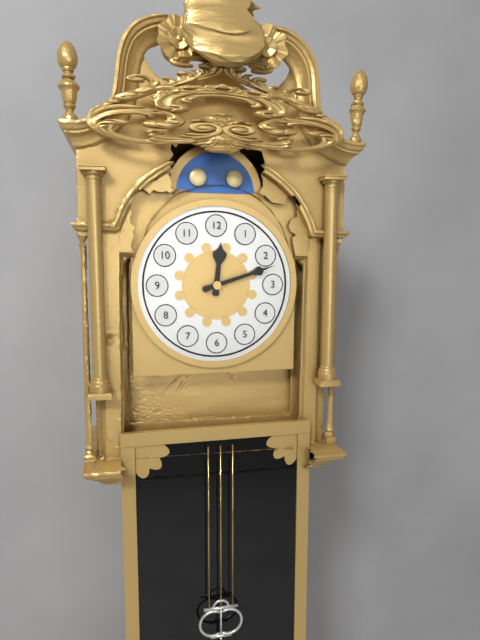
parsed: **12:12**
